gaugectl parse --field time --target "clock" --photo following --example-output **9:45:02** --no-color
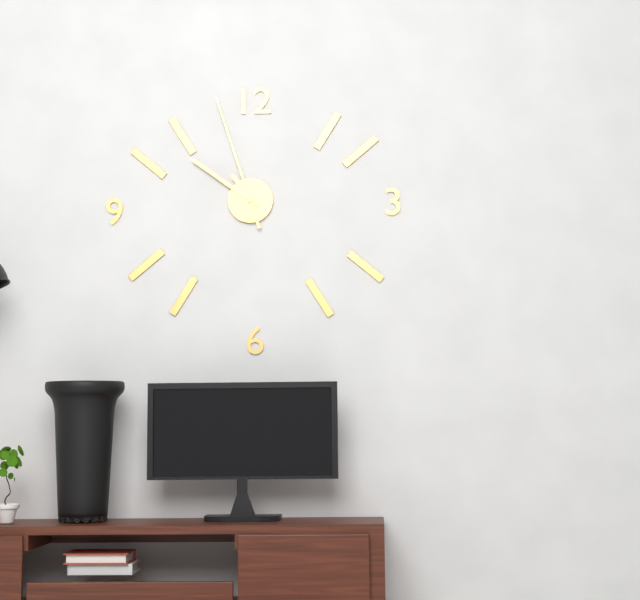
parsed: **10:51:57**
